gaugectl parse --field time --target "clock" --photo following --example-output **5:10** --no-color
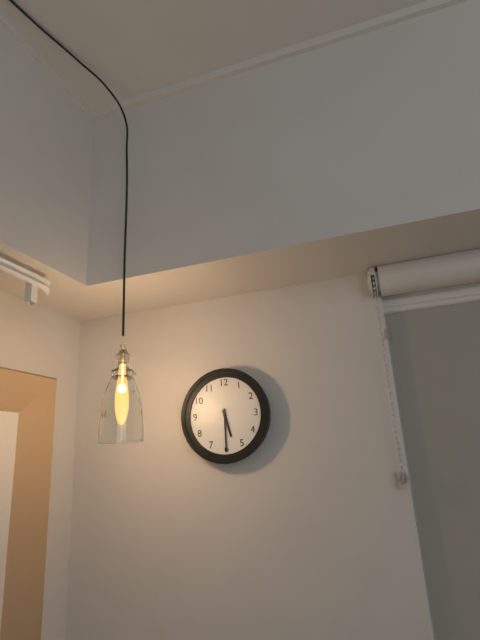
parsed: **5:30**
